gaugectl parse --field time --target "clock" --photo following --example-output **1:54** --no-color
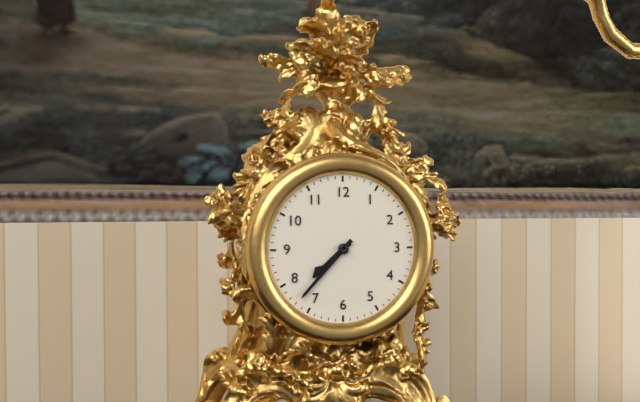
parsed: **7:37**
